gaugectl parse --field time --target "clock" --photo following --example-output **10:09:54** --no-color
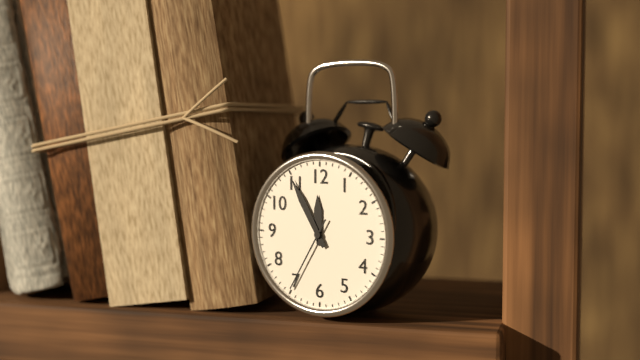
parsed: **11:55:35**
